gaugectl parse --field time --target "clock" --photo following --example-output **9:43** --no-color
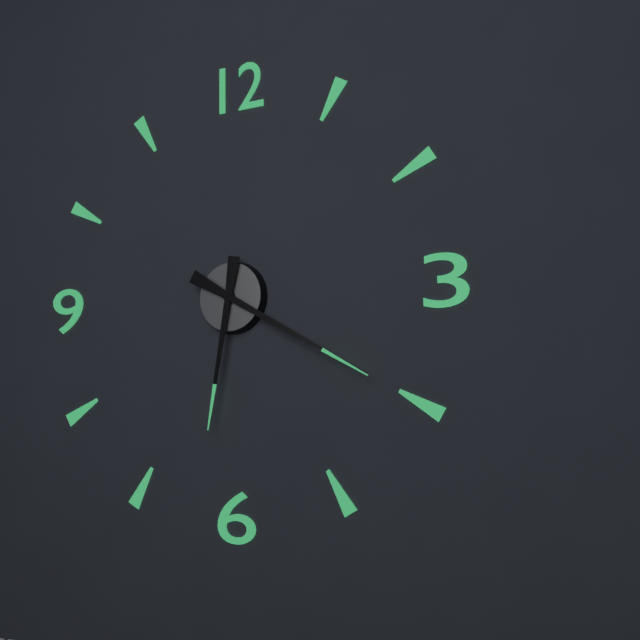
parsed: **6:20**
